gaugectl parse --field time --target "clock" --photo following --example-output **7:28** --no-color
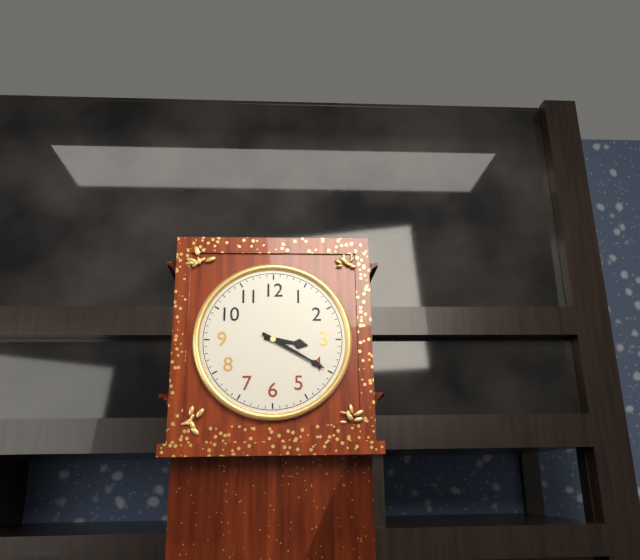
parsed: **3:20**
